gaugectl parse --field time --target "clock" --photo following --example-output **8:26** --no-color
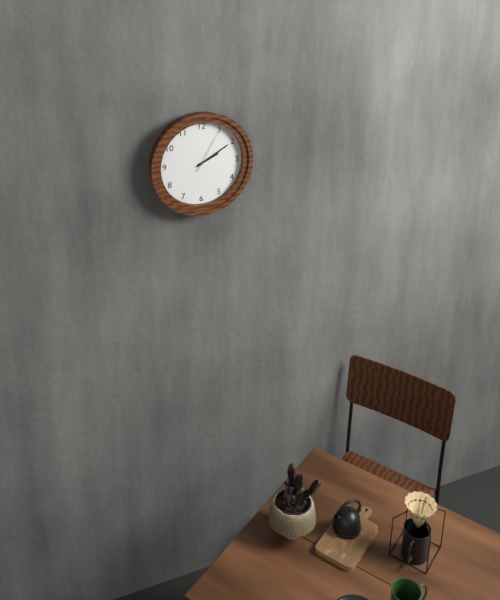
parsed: **2:10**
